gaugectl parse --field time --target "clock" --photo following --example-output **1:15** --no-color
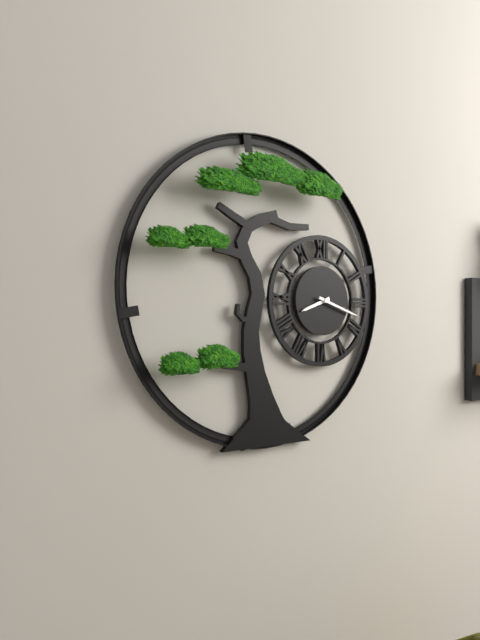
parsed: **8:18**
